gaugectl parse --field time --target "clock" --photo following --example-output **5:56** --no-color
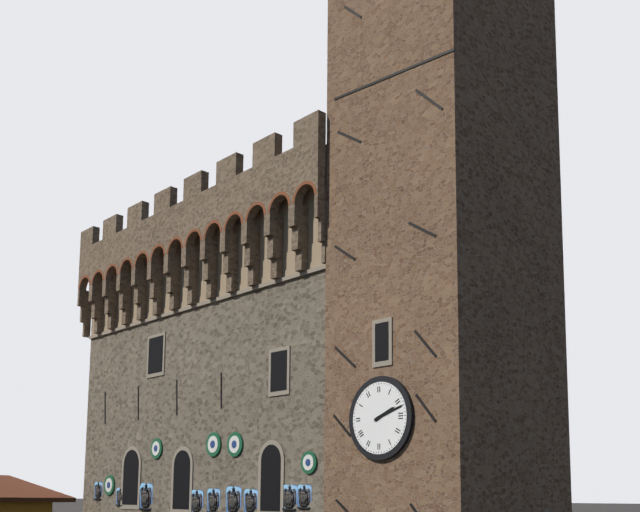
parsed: **2:12**
